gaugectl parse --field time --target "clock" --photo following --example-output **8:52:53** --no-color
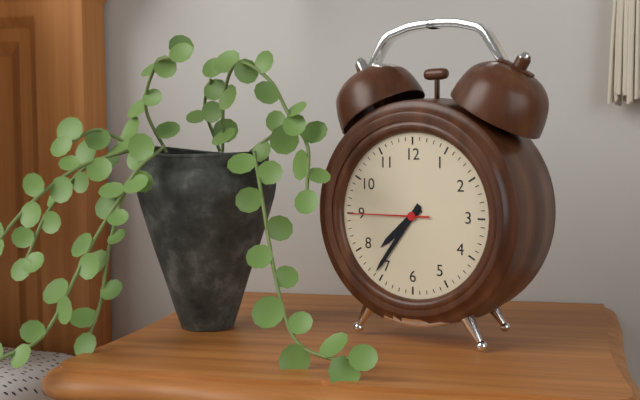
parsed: **7:36:45**
